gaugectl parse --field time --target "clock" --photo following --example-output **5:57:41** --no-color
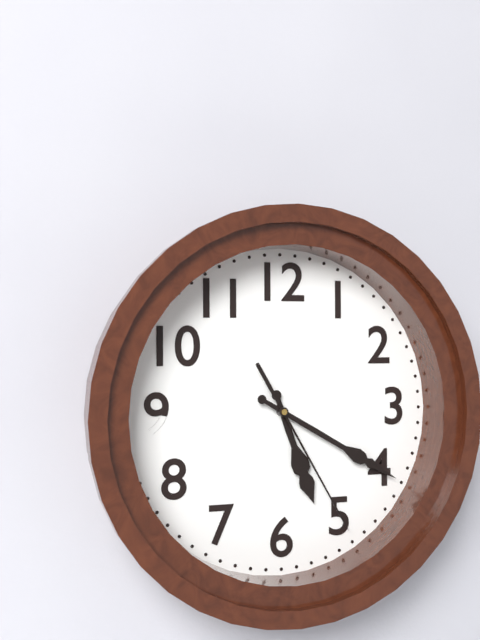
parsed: **5:20:25**
